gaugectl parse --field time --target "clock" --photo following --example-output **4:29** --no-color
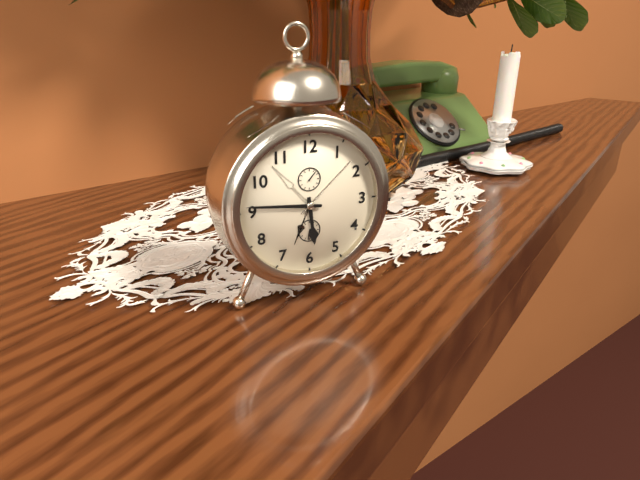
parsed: **5:46**
